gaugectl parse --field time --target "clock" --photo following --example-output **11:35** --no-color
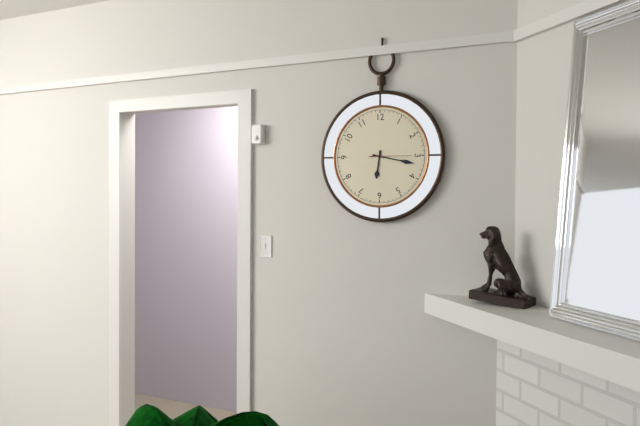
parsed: **6:17**
